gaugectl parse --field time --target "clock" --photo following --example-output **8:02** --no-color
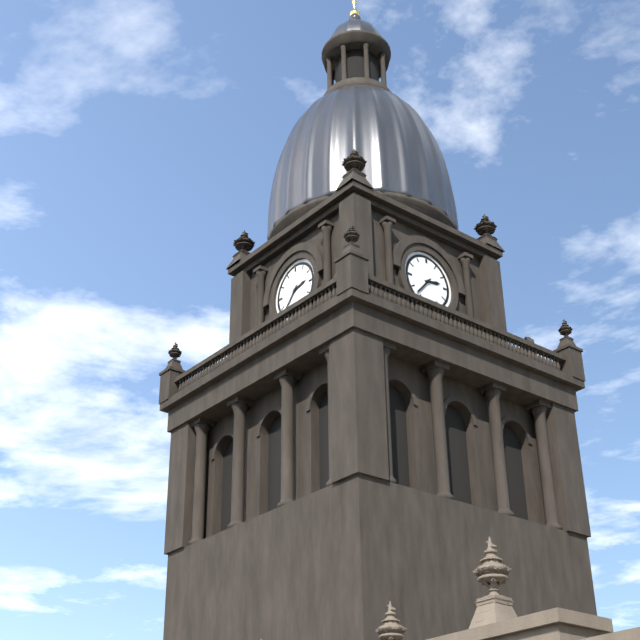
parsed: **2:37**
